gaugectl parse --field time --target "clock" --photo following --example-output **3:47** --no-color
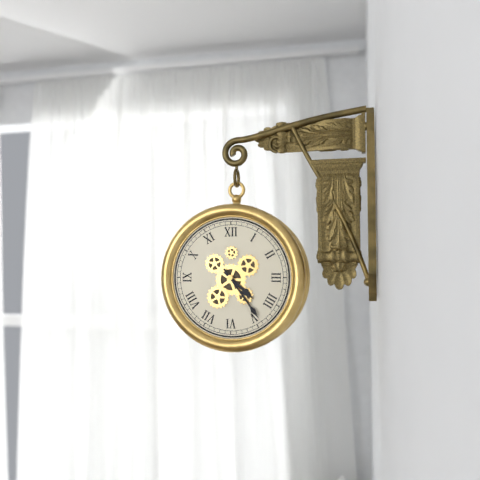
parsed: **4:24**
